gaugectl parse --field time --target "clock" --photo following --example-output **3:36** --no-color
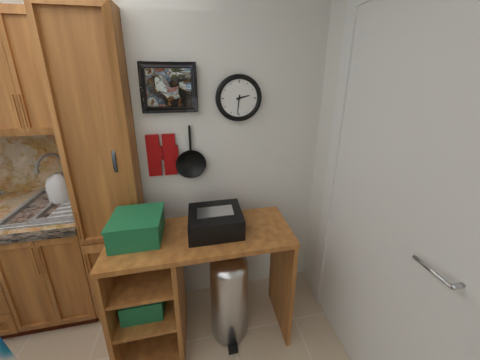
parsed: **2:31**
